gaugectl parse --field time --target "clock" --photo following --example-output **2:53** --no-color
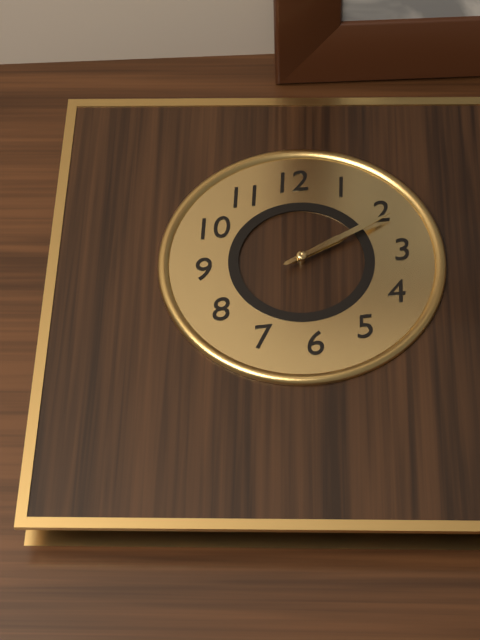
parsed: **2:11**
